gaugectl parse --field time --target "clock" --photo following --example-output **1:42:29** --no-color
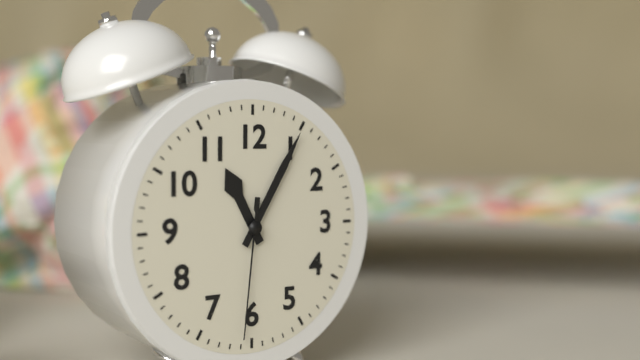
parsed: **11:05:31**
